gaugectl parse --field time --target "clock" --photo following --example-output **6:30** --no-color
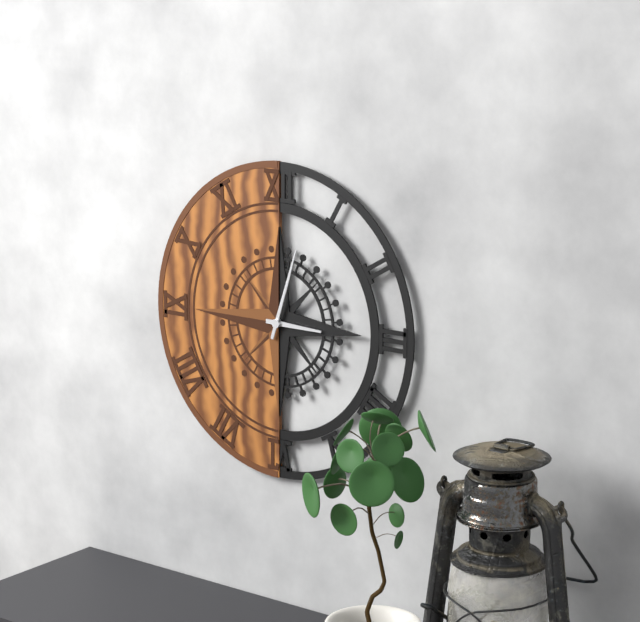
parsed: **3:03**
